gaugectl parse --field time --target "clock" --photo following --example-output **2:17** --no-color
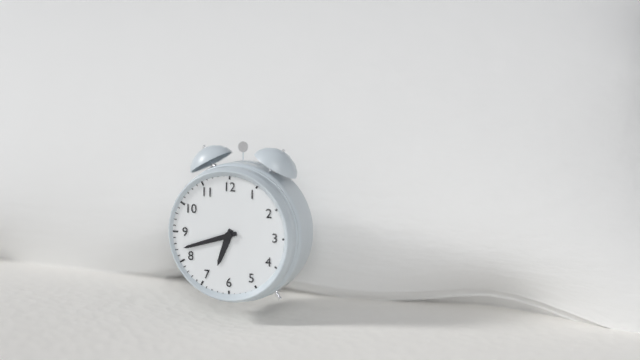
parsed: **6:42**
